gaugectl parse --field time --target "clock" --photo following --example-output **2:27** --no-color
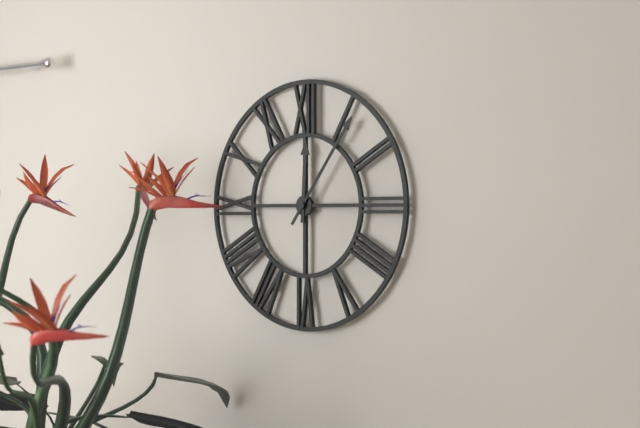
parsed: **12:06**
